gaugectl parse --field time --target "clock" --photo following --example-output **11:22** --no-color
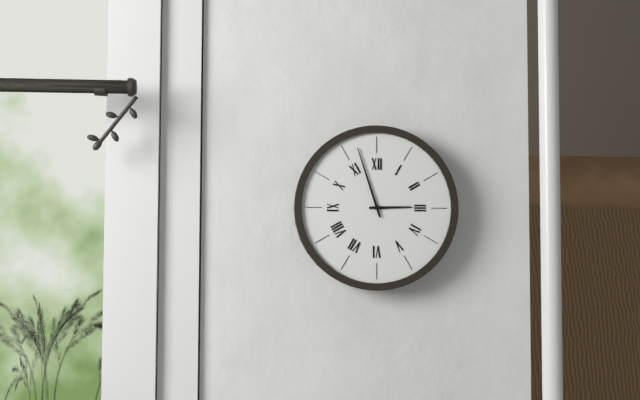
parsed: **2:57**
